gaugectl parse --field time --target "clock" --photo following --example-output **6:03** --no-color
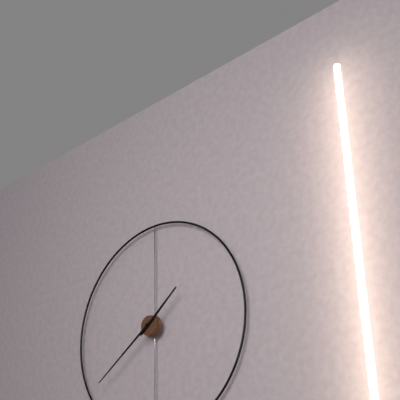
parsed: **1:39**
